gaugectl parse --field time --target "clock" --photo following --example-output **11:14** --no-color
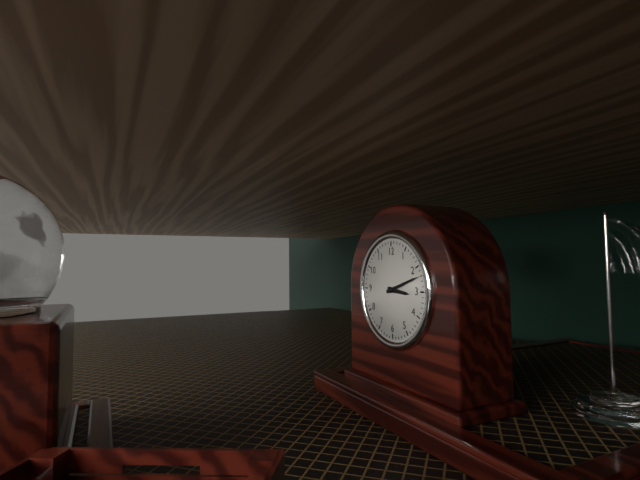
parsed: **3:12**
